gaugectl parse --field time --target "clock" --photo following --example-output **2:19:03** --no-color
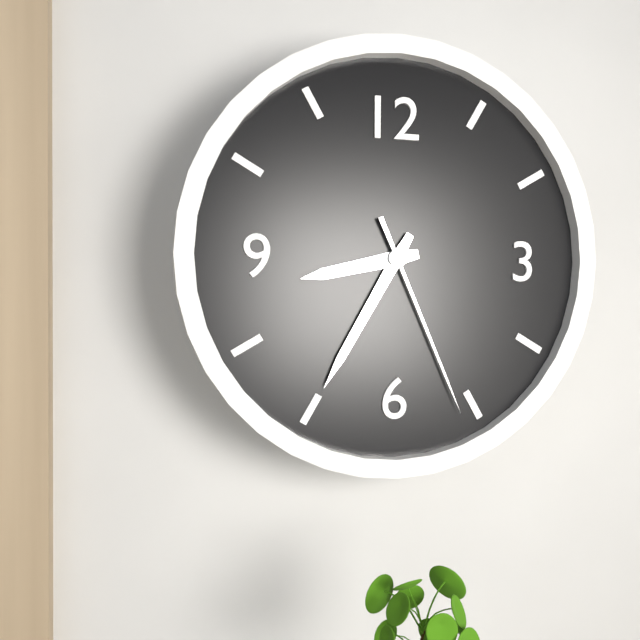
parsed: **8:35:26**
